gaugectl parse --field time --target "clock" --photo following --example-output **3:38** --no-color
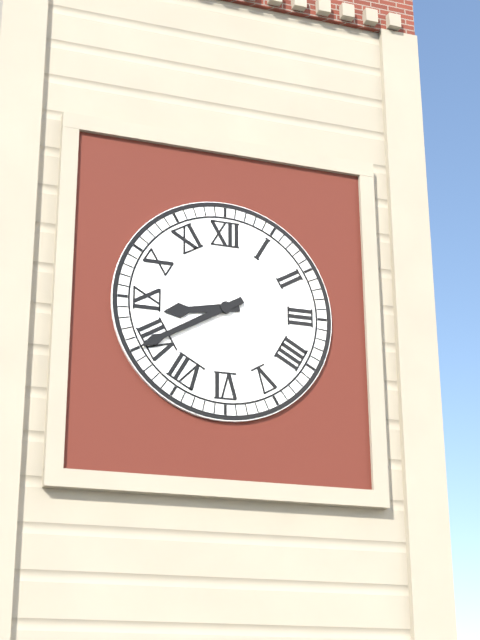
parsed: **8:40**
